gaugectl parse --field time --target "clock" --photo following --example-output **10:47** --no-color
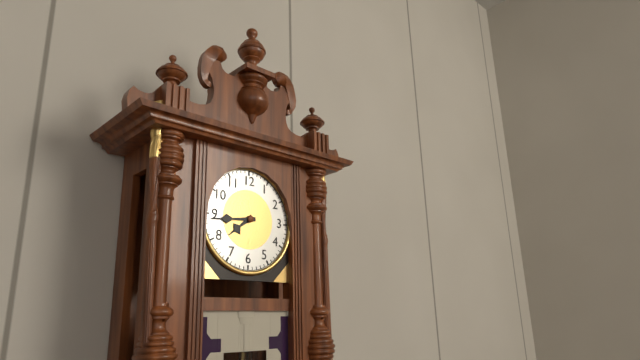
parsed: **7:44**
